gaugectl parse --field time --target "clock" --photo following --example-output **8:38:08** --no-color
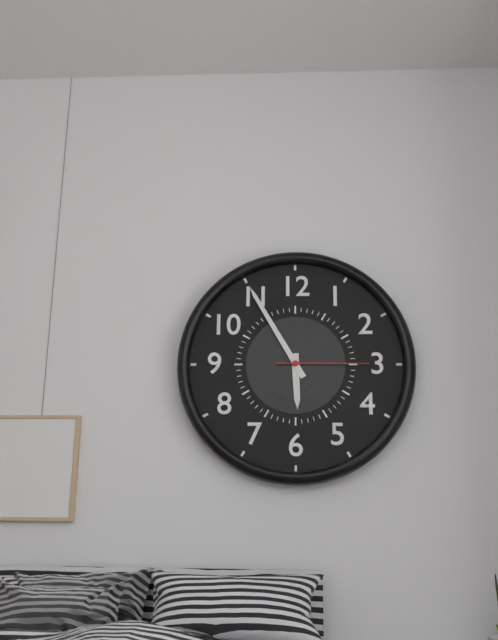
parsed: **5:55:15**
